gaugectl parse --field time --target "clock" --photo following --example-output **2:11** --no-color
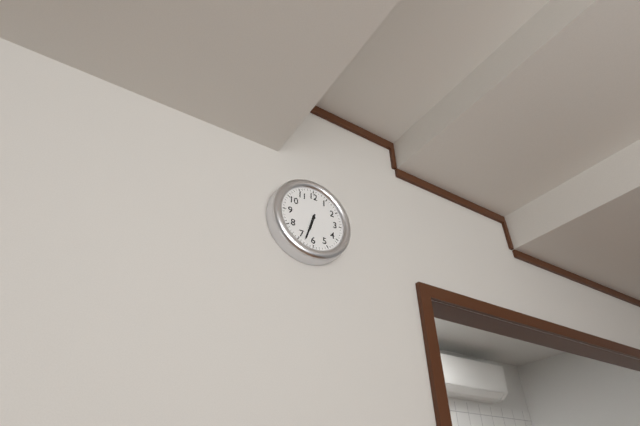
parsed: **6:33**
